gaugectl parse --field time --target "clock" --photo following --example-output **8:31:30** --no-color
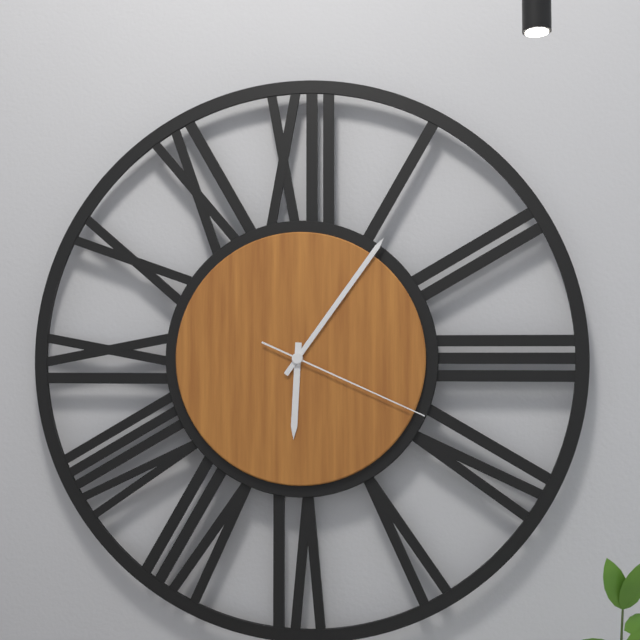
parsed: **6:06:19**
